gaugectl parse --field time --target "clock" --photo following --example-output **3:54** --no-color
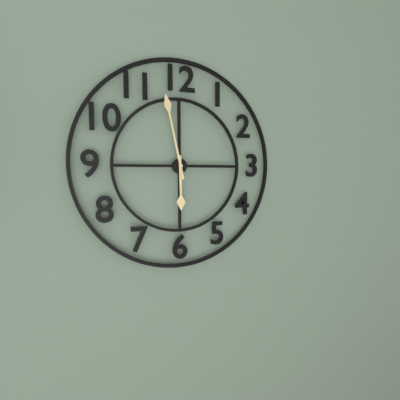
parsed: **5:58**
